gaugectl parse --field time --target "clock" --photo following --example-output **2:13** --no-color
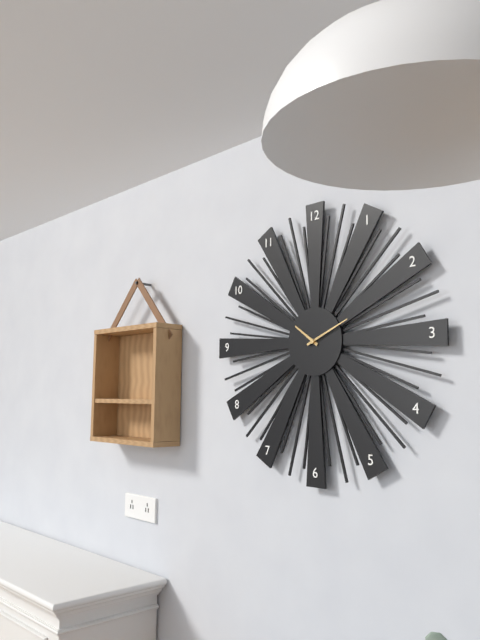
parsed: **10:11**
